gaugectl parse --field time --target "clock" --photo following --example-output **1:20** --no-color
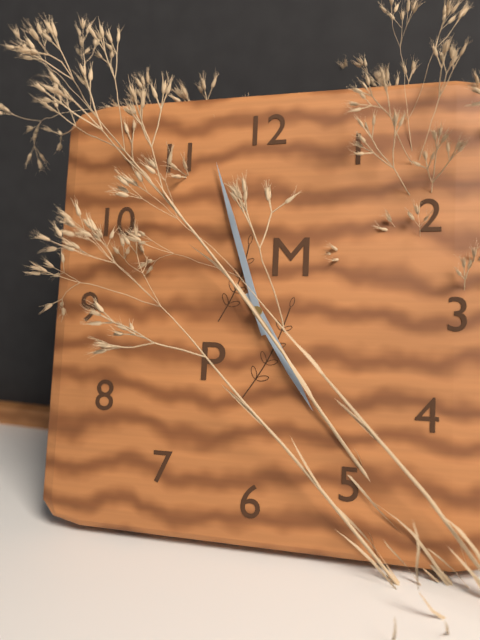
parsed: **4:57**
